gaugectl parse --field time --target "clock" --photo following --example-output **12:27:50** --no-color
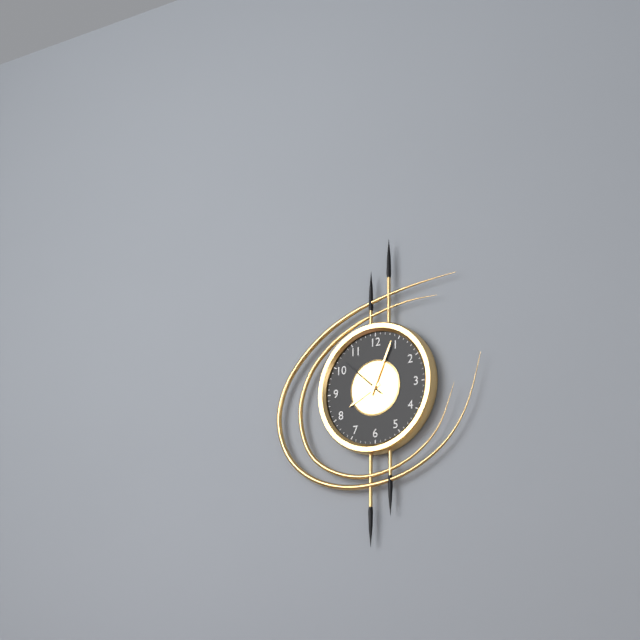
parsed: **8:04:52**
